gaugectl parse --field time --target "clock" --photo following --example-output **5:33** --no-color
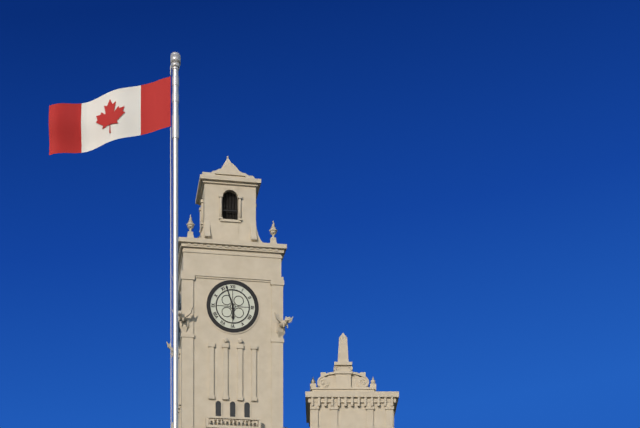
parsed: **5:57**
